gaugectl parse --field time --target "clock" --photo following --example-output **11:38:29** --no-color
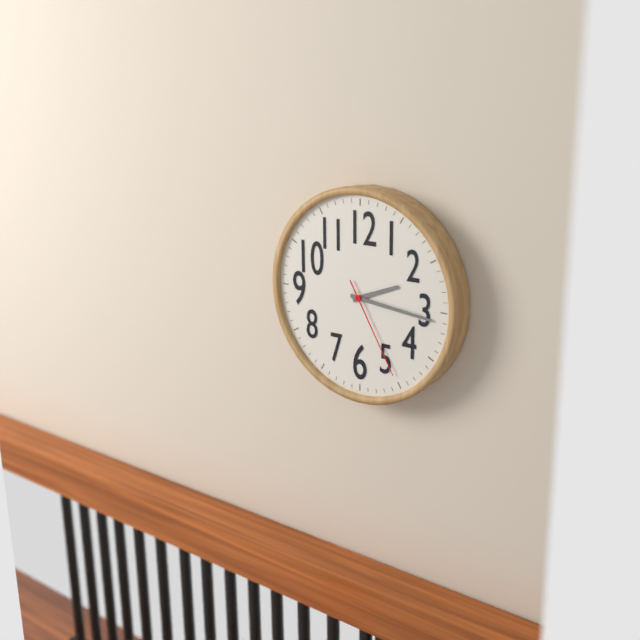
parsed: **2:16:25**
